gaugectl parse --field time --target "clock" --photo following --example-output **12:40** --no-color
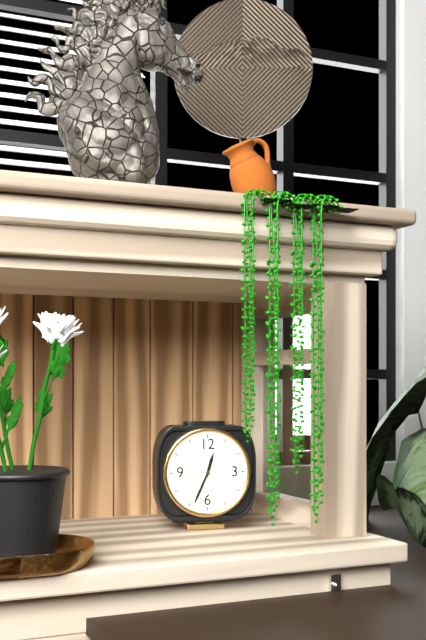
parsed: **12:34**
